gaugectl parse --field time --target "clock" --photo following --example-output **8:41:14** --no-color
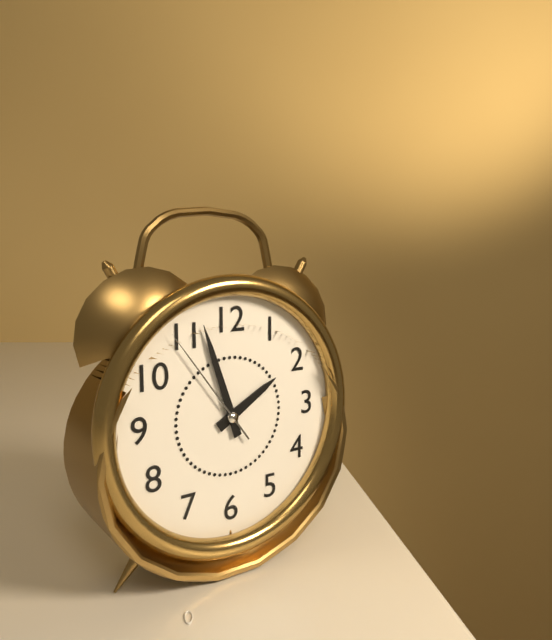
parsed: **1:57:54**
